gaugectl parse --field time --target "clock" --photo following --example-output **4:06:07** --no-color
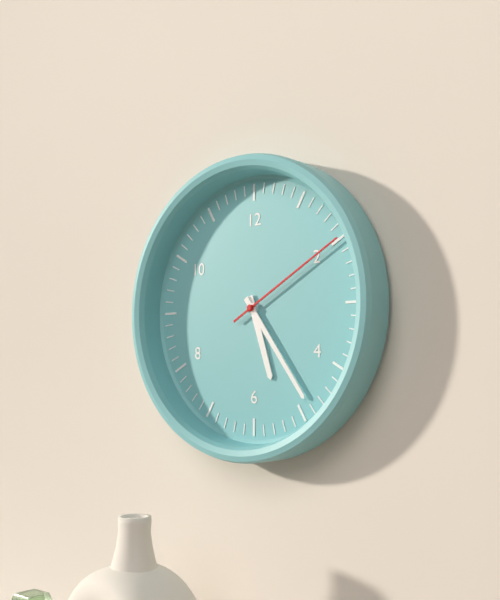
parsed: **5:24:10**
